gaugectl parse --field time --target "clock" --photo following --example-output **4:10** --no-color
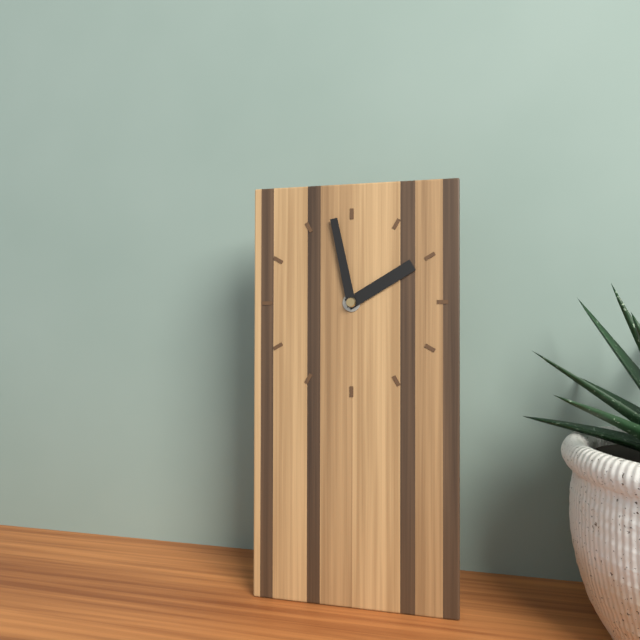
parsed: **1:58**
